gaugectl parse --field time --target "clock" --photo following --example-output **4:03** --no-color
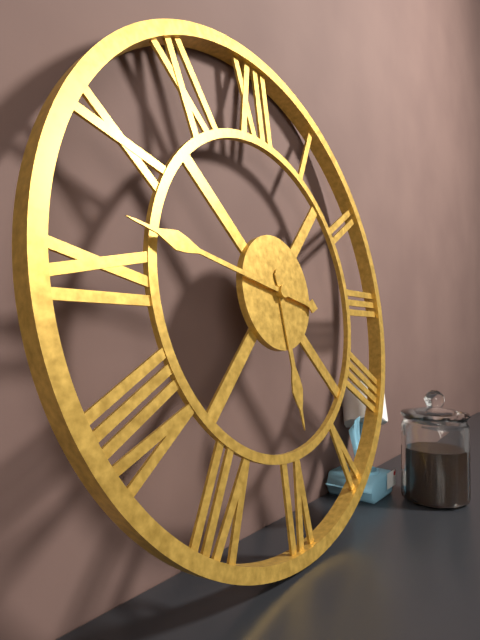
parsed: **5:47**
